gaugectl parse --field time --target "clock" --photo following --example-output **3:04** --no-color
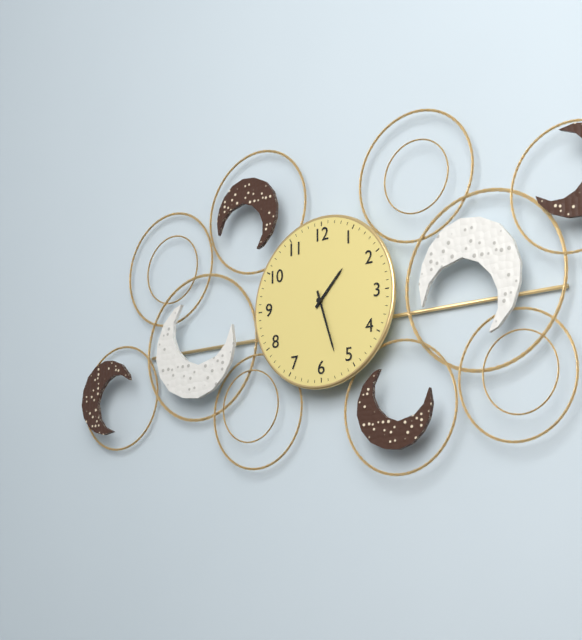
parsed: **1:27**
